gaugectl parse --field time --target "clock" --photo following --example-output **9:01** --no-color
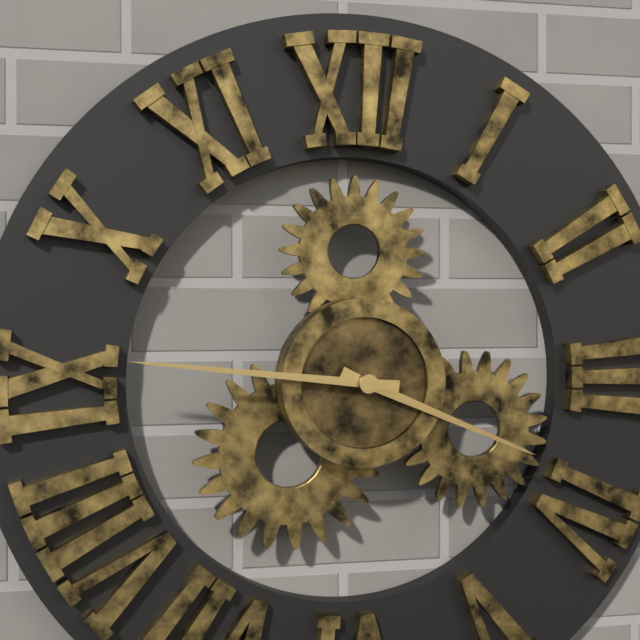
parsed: **3:46**
